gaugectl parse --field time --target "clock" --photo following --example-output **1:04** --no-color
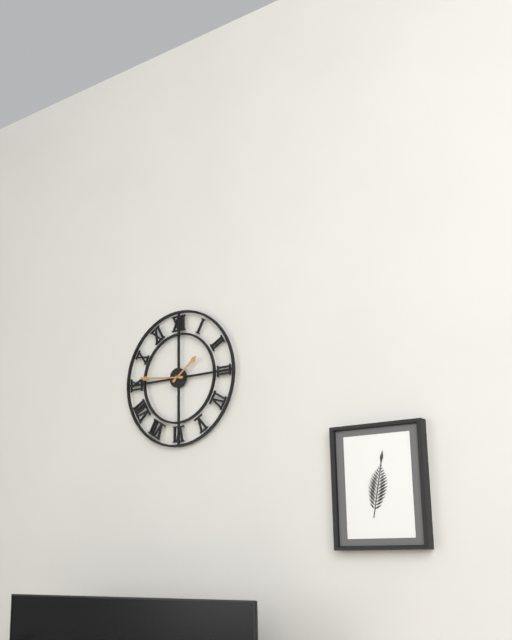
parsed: **1:46**
